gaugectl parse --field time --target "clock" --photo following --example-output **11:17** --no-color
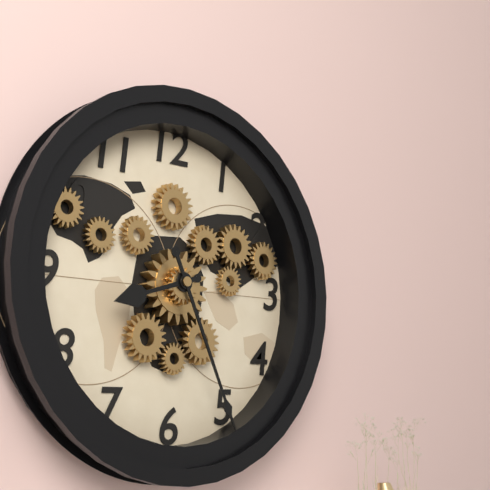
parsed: **8:26**
